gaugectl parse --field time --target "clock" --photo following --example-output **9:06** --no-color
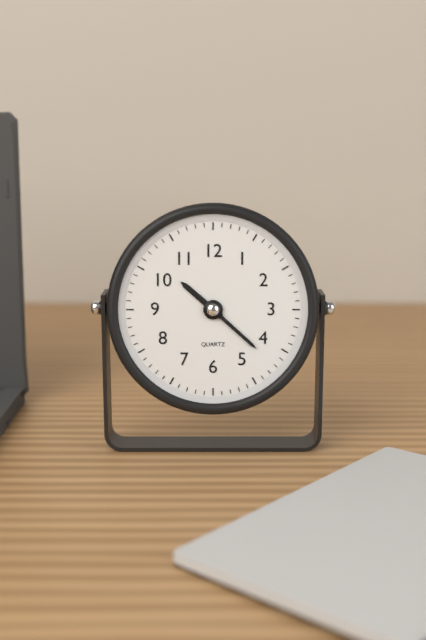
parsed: **10:22**
